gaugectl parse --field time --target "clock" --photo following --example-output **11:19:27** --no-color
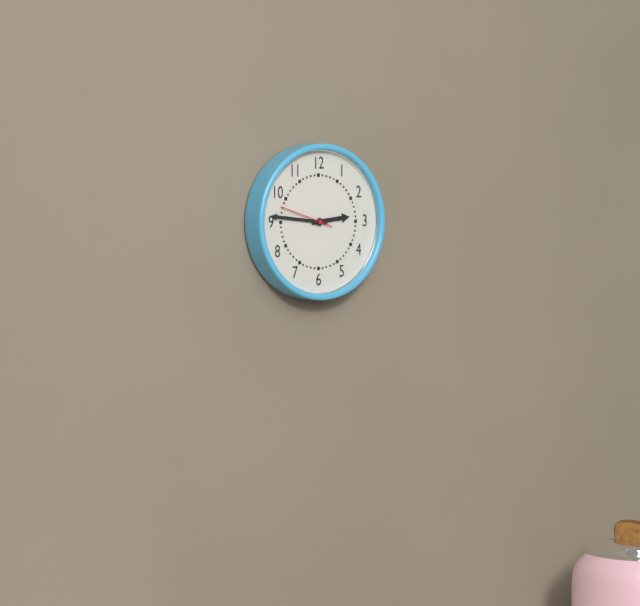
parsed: **2:46:48**
